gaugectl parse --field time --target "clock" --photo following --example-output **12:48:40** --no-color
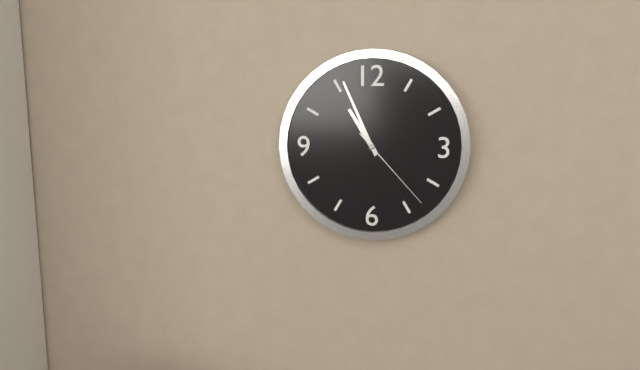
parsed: **10:56:23**
